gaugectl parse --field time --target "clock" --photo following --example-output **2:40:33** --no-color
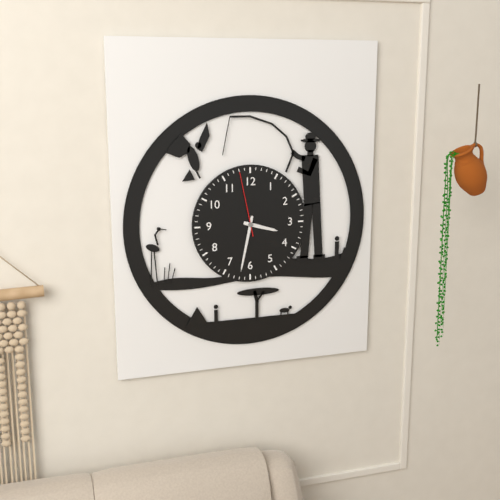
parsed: **3:32:58**
